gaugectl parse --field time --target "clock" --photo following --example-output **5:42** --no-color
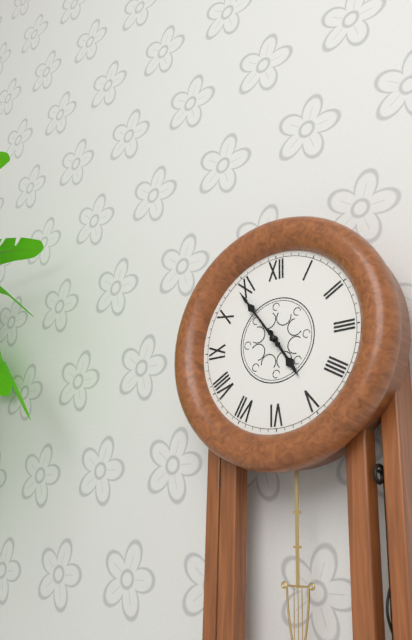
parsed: **4:54**
